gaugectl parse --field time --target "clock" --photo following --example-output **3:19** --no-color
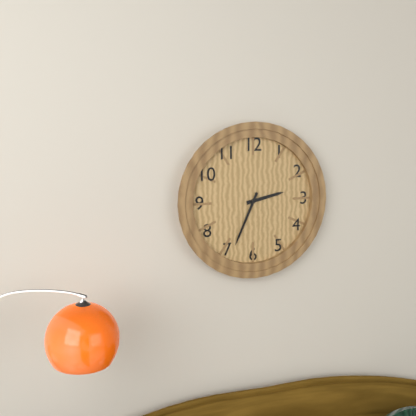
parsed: **2:34**
